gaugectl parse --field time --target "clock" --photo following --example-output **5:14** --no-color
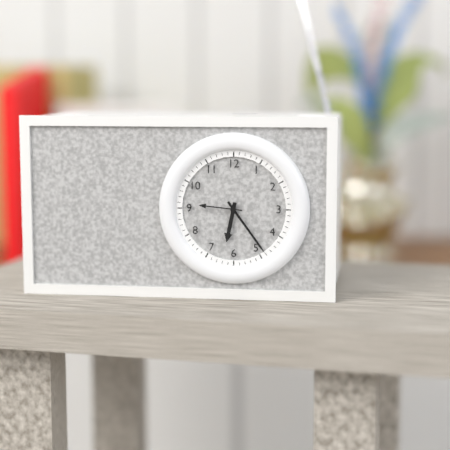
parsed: **6:24**
